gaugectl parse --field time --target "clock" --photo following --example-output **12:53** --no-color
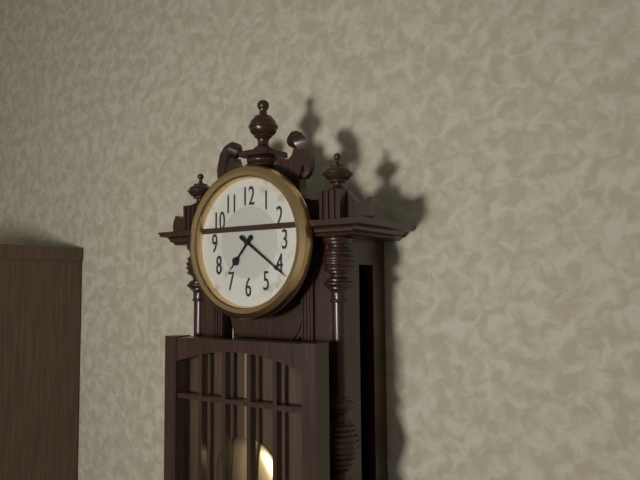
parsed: **7:21**
